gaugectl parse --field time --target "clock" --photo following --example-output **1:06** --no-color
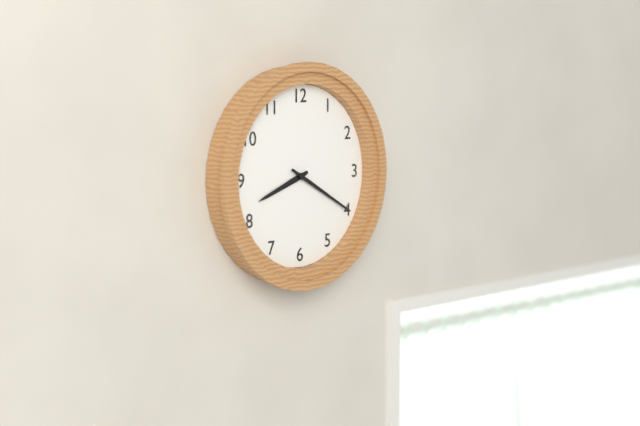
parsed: **8:20**
